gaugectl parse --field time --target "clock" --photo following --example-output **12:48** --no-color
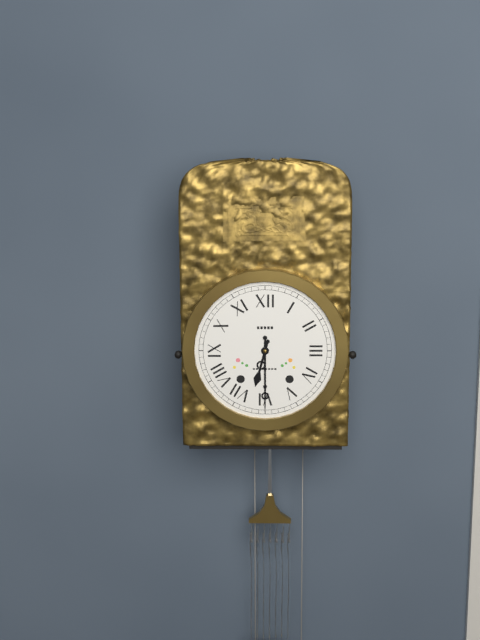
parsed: **6:30**
